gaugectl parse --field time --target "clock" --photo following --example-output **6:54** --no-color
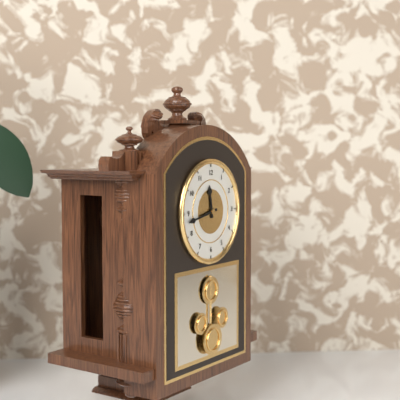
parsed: **11:43**
